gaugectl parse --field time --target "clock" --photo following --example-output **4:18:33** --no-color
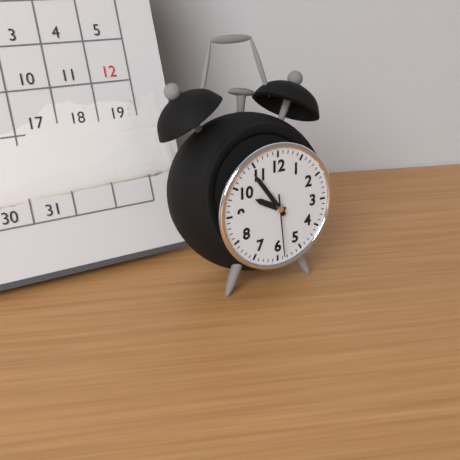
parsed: **9:54:29**
